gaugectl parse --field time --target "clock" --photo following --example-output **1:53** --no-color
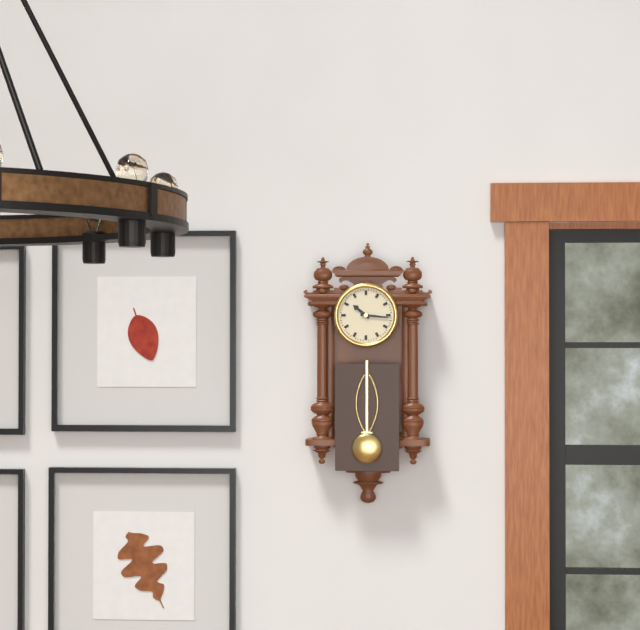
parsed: **10:16**
